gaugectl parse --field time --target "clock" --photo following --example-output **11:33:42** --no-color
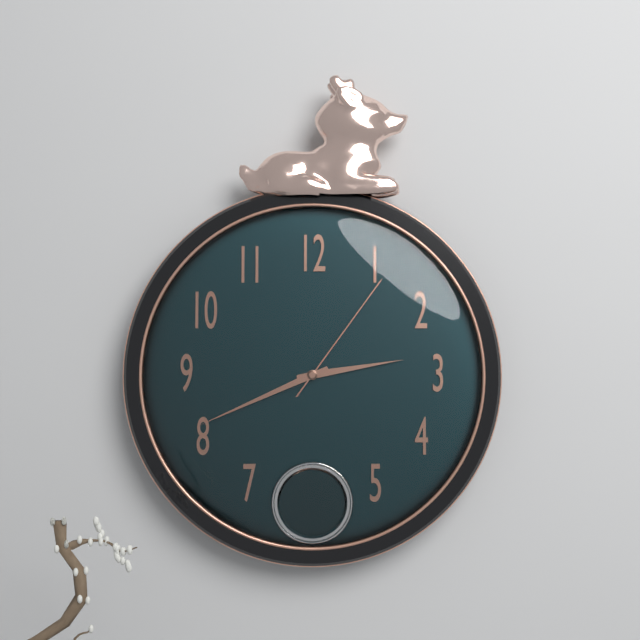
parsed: **2:41:06**
